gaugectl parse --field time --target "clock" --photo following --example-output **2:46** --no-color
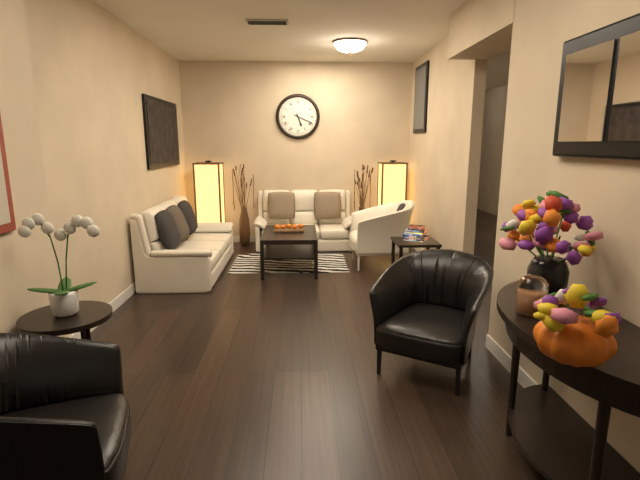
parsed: **5:19**
